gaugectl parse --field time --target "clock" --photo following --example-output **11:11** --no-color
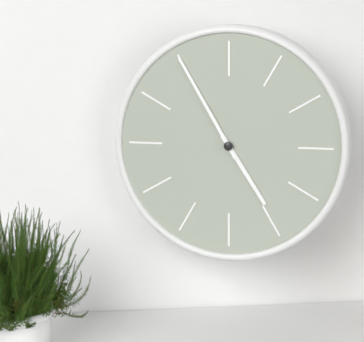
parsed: **4:55**
